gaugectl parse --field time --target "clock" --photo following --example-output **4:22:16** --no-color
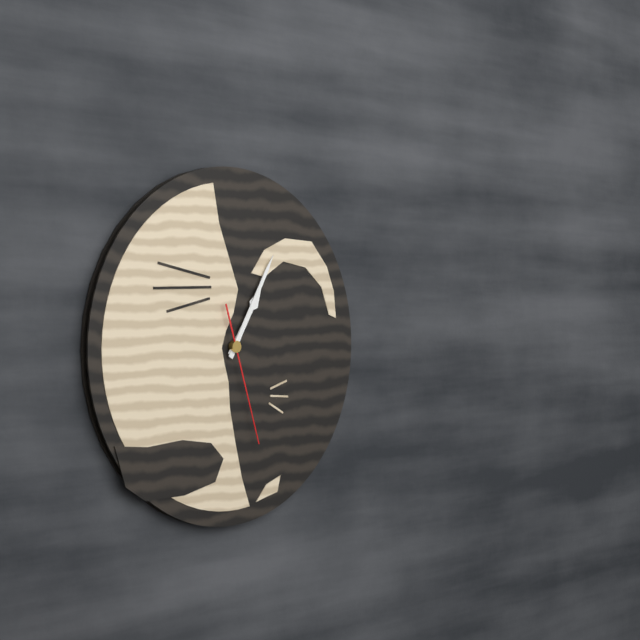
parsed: **1:05:27**
